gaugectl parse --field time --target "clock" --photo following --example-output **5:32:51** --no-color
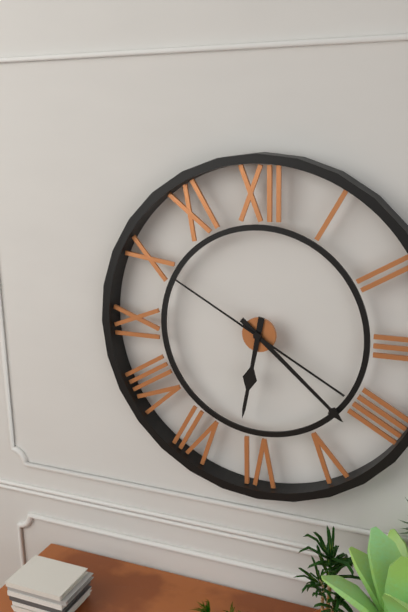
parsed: **6:22:50**
